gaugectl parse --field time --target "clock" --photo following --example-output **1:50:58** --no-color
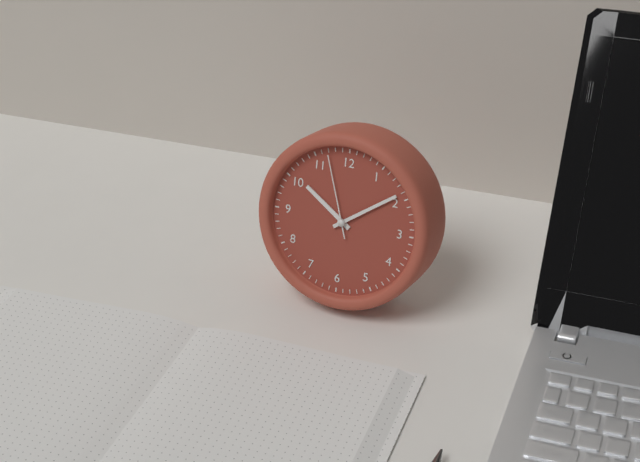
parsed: **10:09:57**
